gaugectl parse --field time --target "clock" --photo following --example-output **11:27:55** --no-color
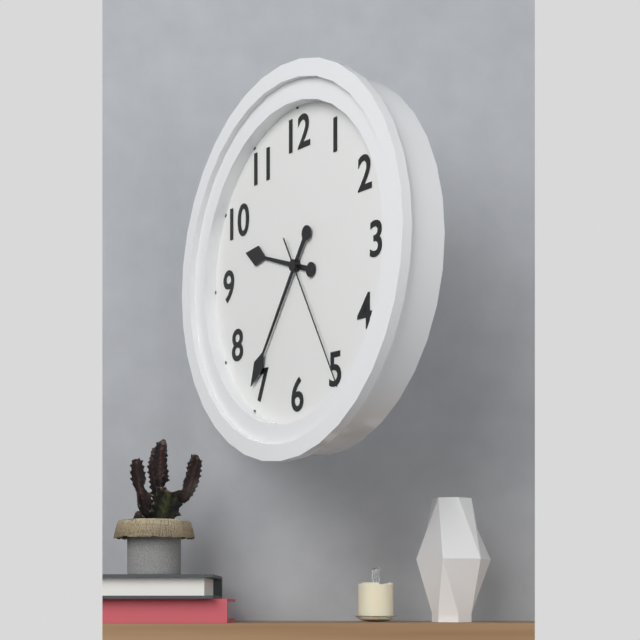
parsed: **9:36:25**
